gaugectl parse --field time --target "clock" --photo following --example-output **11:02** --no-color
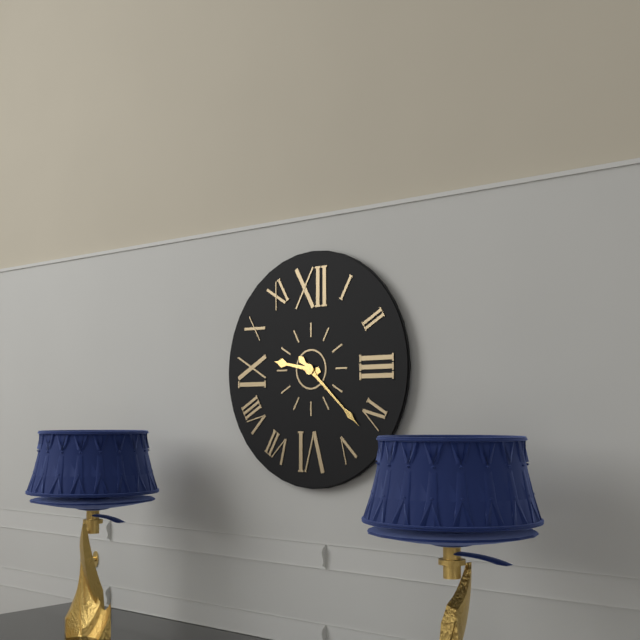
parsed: **9:22**
